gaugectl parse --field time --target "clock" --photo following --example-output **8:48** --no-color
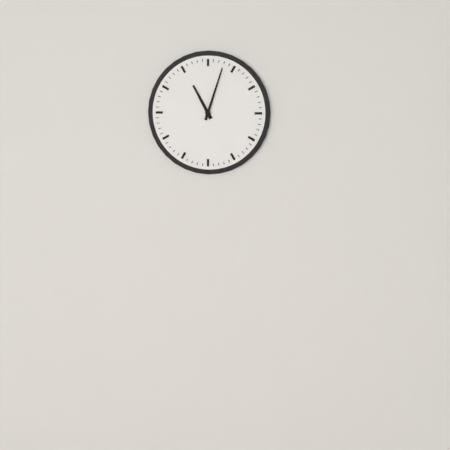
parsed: **11:03**
